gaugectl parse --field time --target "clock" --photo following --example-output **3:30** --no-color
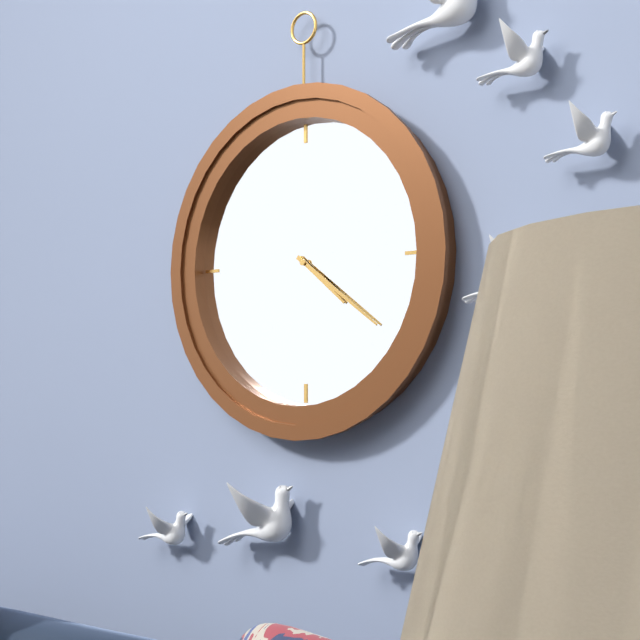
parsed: **4:21**
